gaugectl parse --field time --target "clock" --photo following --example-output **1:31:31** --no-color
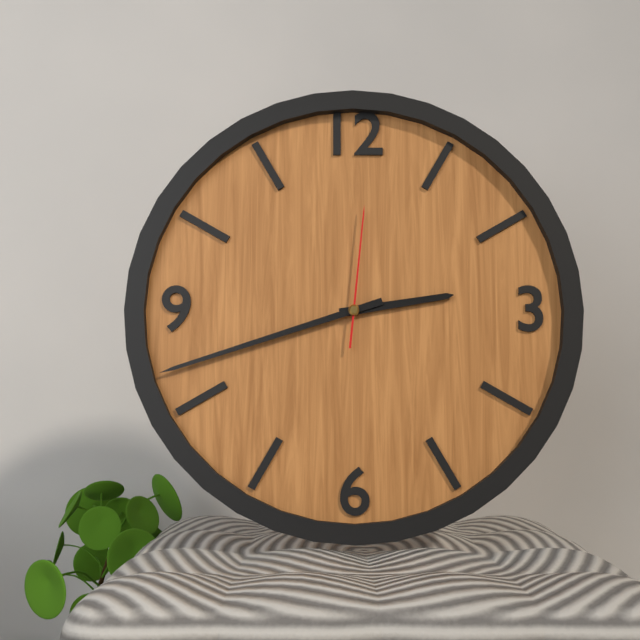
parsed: **2:42:01**
